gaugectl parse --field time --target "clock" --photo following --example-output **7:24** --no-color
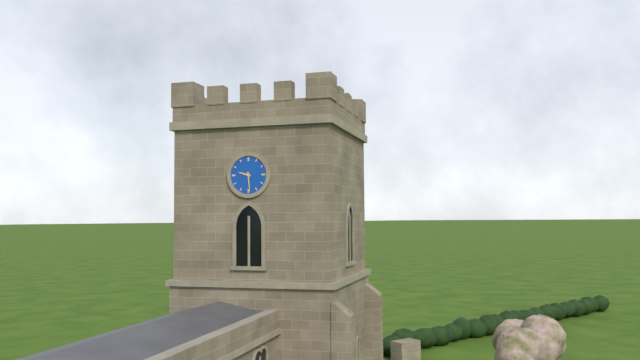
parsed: **9:29**
